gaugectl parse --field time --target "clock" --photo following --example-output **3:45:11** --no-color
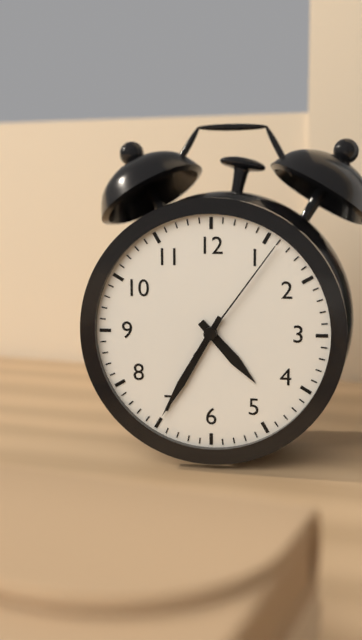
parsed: **4:35:06**
